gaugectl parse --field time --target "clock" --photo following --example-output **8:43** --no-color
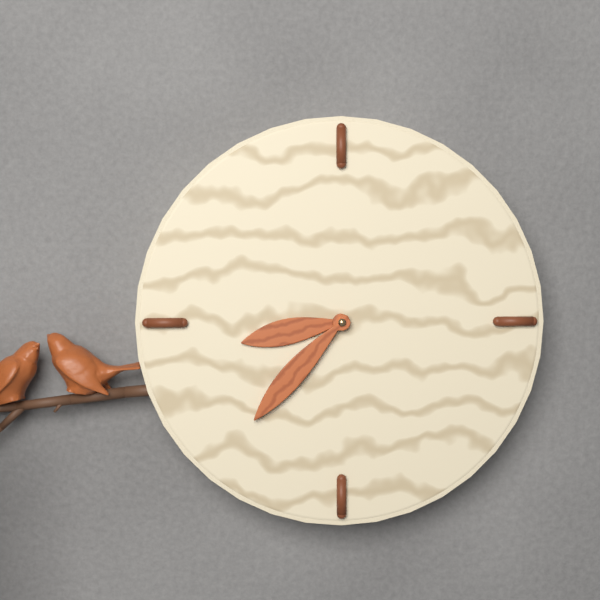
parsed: **8:37**
